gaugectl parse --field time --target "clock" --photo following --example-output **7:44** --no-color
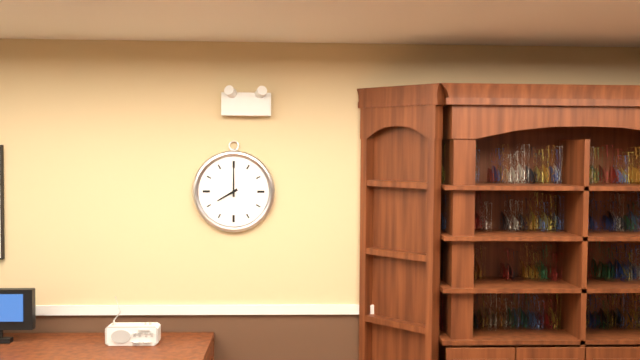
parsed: **8:00**
